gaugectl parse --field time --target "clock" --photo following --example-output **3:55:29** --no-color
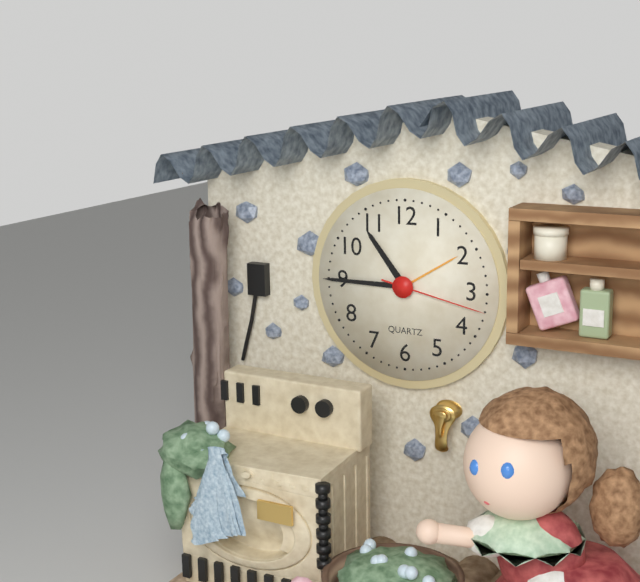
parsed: **10:45:17**
